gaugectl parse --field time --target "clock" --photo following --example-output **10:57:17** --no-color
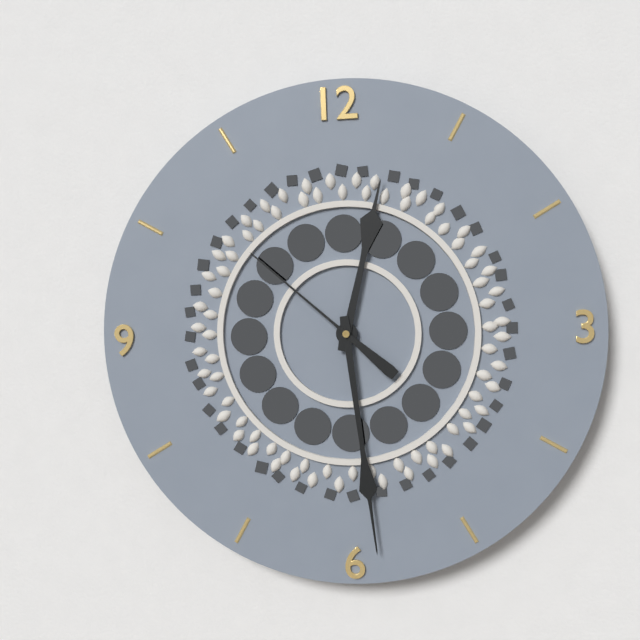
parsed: **12:29:52**
